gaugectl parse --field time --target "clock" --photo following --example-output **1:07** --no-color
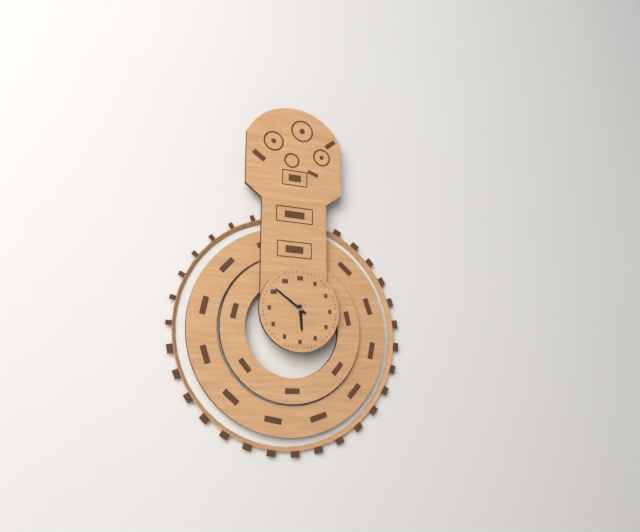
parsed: **5:51**
